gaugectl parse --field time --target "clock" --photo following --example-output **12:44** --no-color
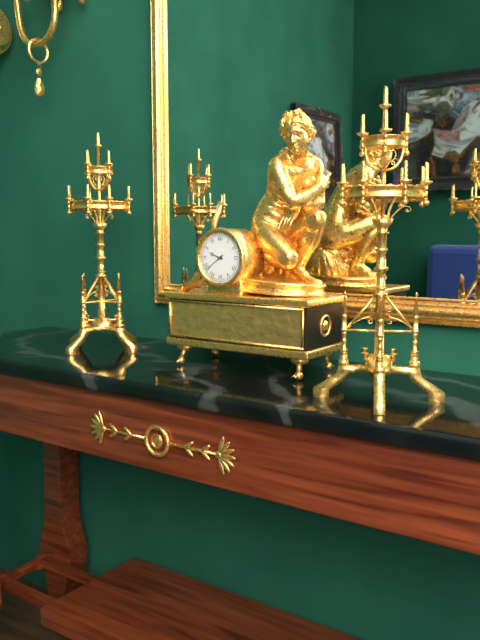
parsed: **9:39**
